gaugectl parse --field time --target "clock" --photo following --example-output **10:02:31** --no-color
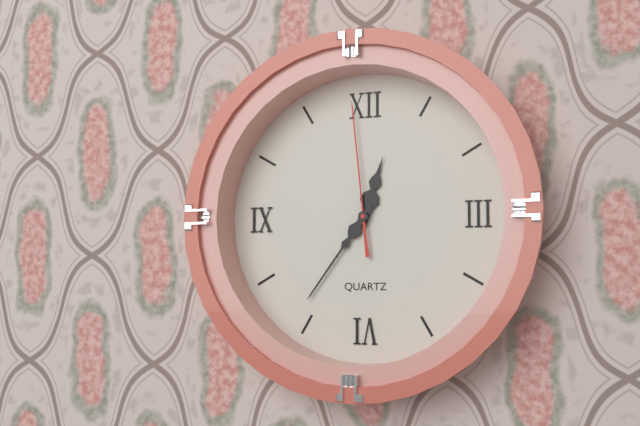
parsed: **12:36:59**
